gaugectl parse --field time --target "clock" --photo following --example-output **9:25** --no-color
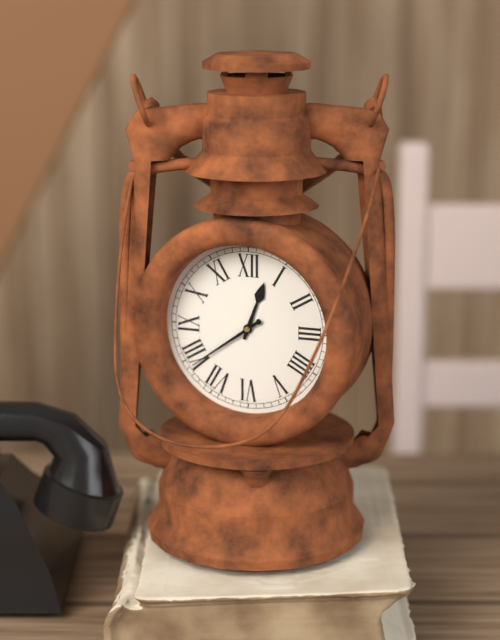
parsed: **12:39**
